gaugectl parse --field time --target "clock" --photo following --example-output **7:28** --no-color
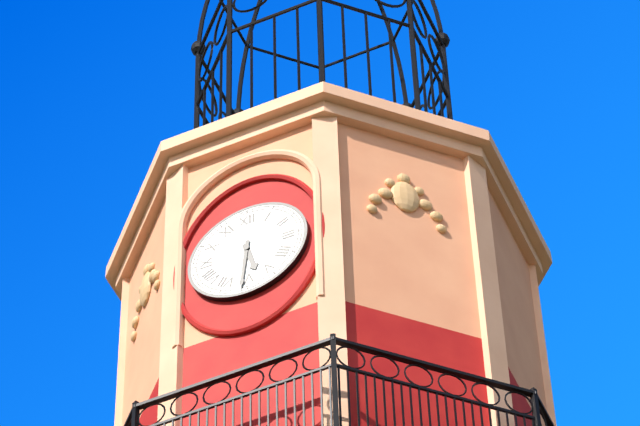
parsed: **5:31**
